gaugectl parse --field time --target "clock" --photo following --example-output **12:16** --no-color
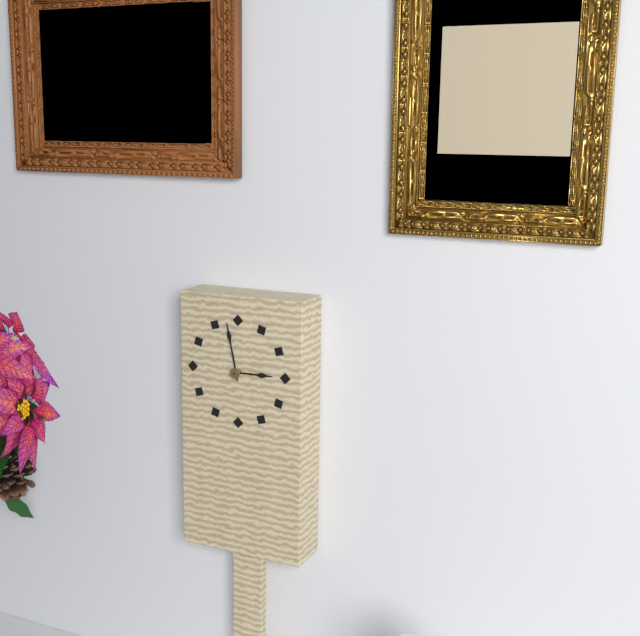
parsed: **2:58**
